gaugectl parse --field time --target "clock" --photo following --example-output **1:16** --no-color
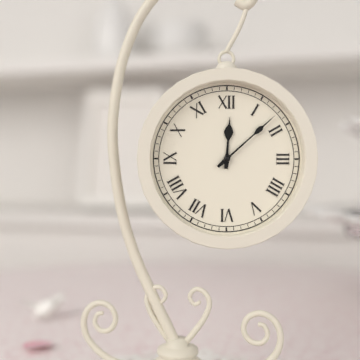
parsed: **12:08**
